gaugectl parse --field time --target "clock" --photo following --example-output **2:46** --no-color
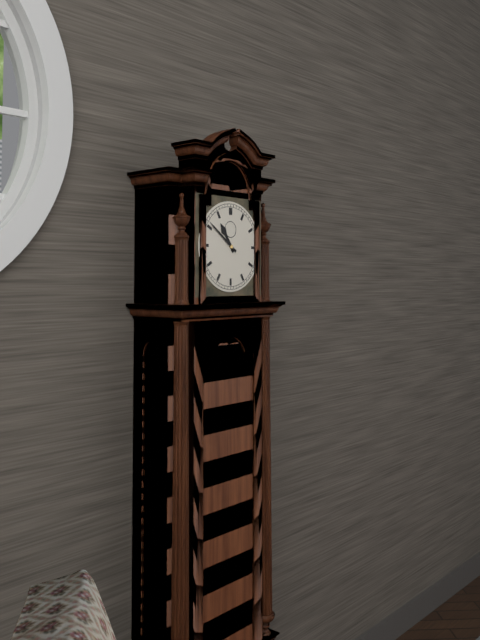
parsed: **10:51**
